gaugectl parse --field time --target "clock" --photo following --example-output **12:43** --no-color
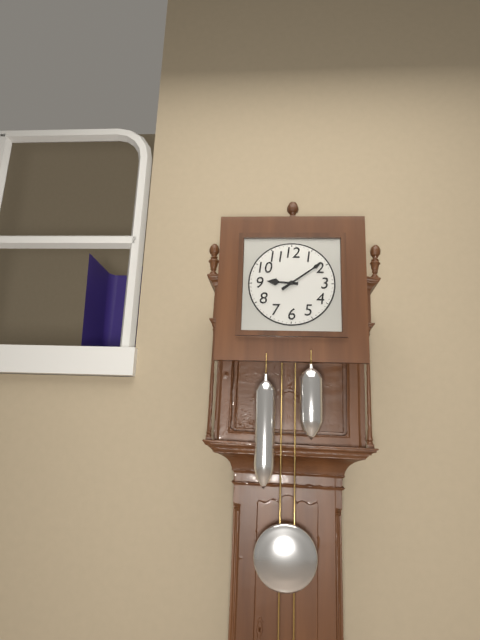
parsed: **9:09**
